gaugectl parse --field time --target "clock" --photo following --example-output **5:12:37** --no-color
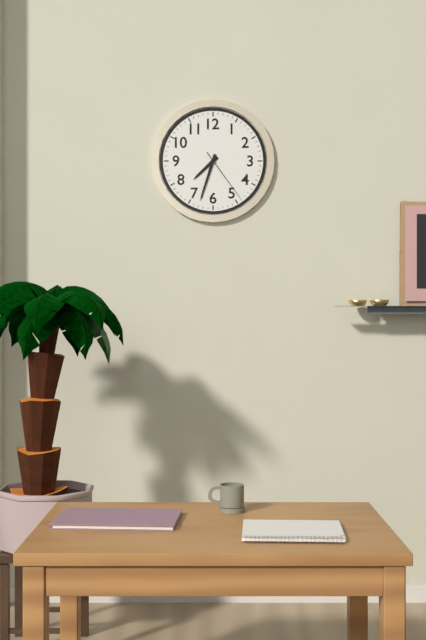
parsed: **7:33:24**
